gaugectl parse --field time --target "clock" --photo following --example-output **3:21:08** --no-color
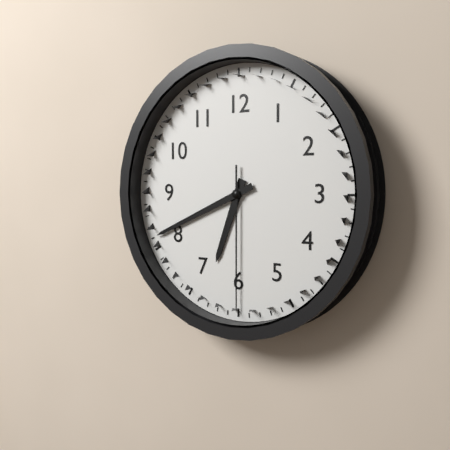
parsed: **6:41:30**
